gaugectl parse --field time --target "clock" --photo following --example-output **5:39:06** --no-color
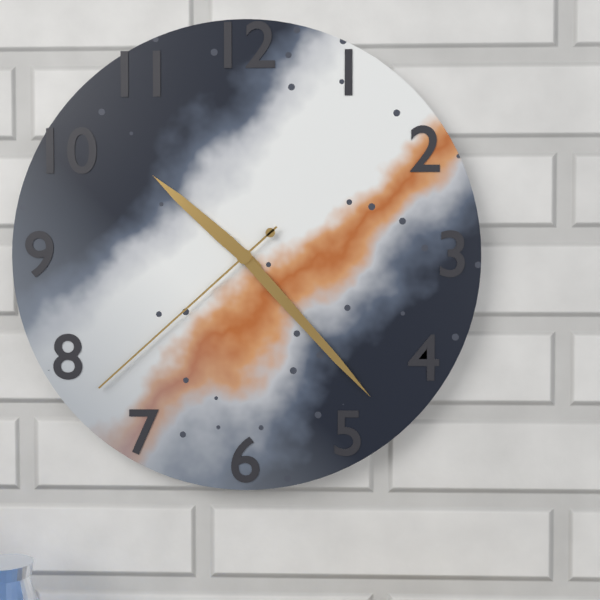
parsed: **10:23:38**
